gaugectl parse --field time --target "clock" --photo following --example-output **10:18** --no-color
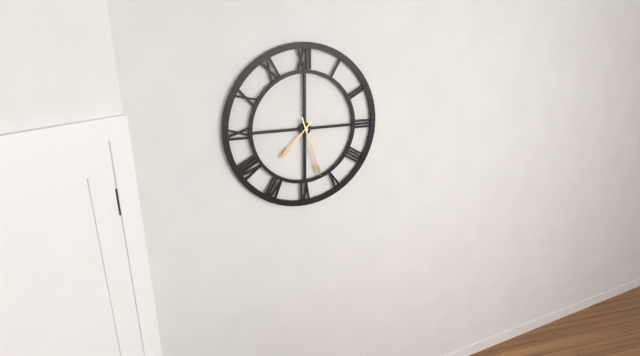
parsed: **7:27**
